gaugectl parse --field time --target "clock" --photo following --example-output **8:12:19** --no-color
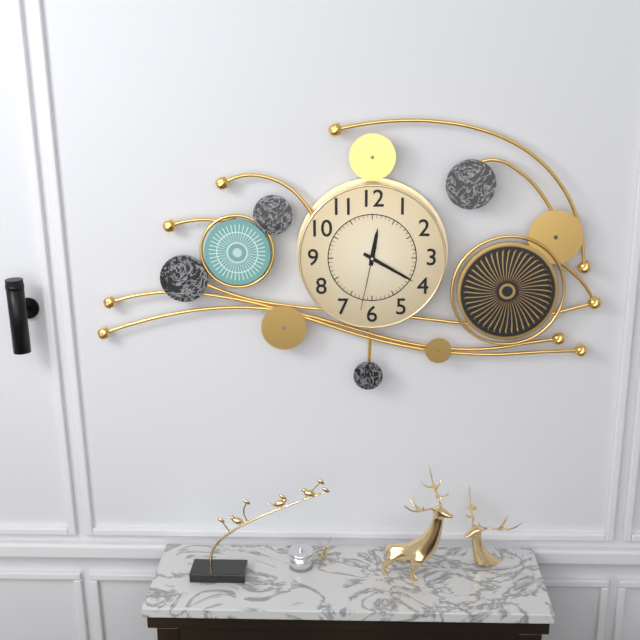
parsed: **12:20:32**
